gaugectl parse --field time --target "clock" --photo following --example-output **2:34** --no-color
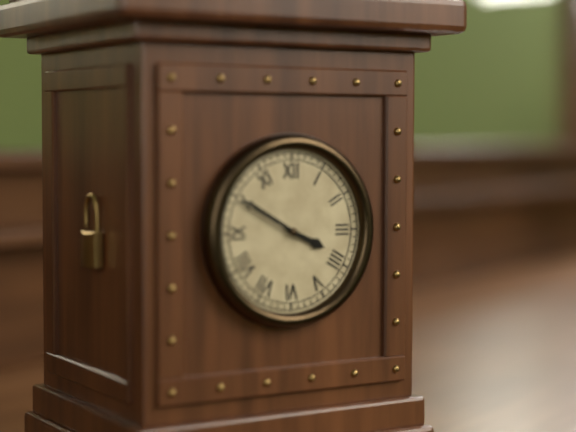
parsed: **3:50**
